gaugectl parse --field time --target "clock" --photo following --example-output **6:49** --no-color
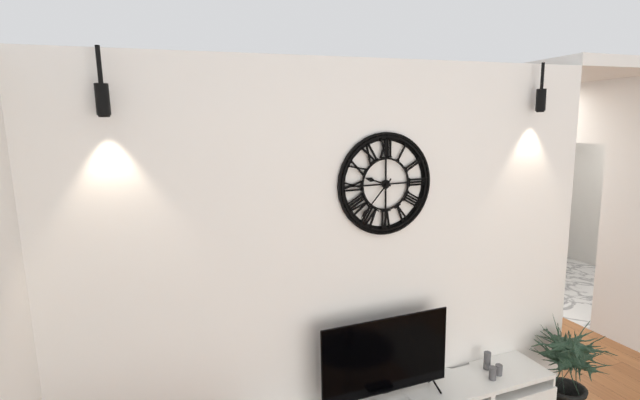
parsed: **9:37**
